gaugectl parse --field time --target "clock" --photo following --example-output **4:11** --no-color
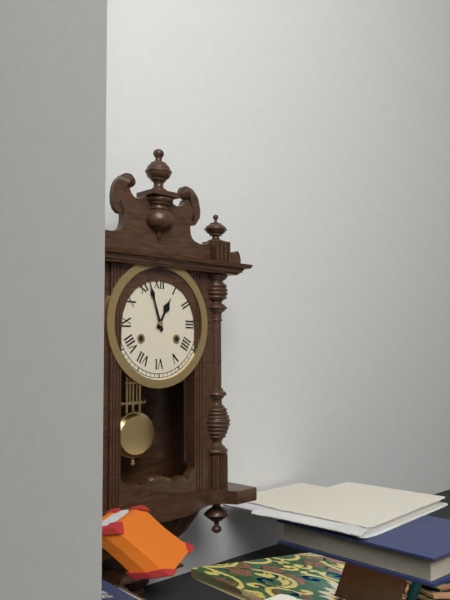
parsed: **12:57**
